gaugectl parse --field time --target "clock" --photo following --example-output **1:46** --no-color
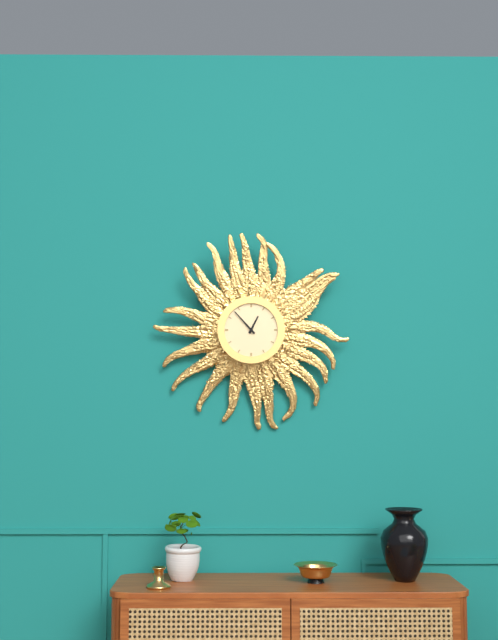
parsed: **12:53**
